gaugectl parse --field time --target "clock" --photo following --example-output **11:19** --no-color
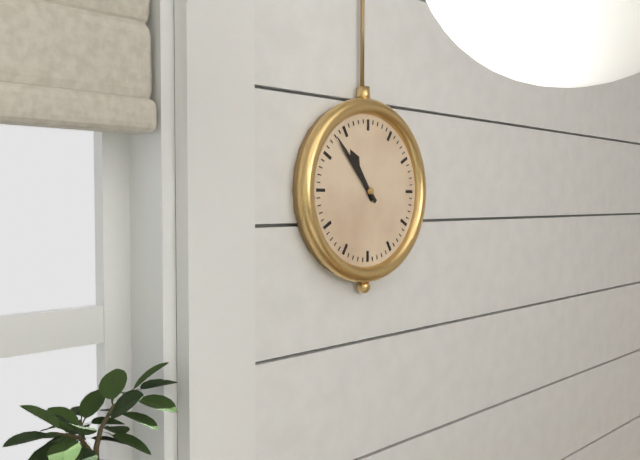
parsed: **10:53**
